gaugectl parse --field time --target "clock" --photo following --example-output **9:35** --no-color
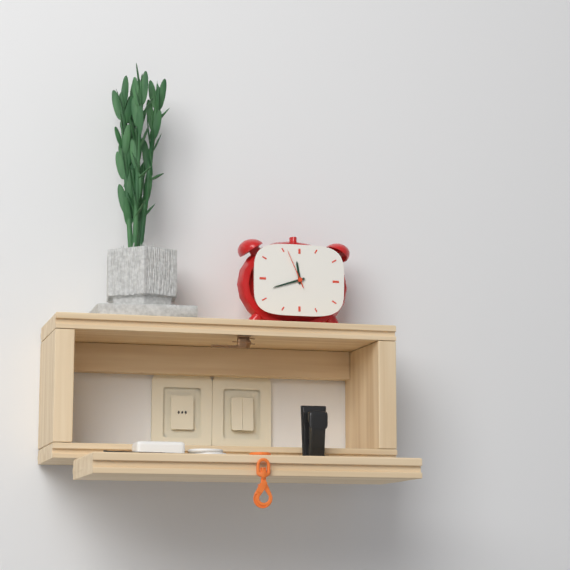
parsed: **11:42**
